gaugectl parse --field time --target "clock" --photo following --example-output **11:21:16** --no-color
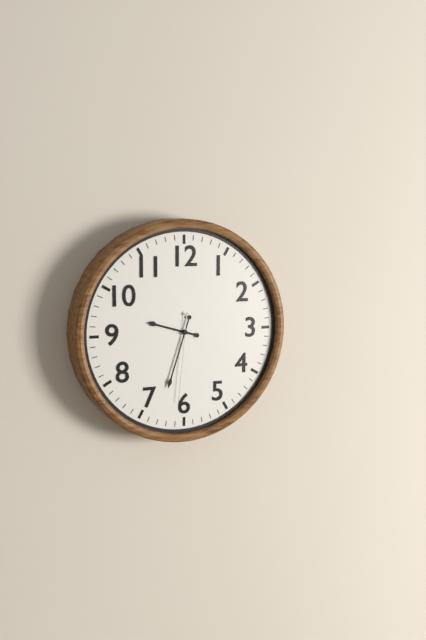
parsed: **9:33:31**
